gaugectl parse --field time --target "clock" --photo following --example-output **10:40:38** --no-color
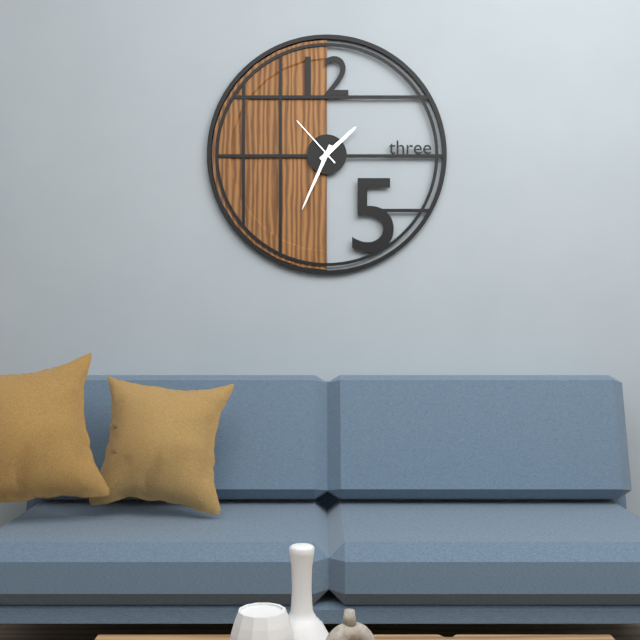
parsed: **1:34:53**
